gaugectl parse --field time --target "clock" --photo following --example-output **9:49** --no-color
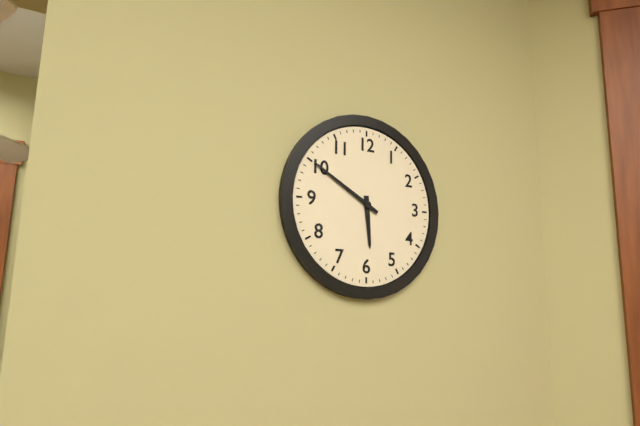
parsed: **5:50**
